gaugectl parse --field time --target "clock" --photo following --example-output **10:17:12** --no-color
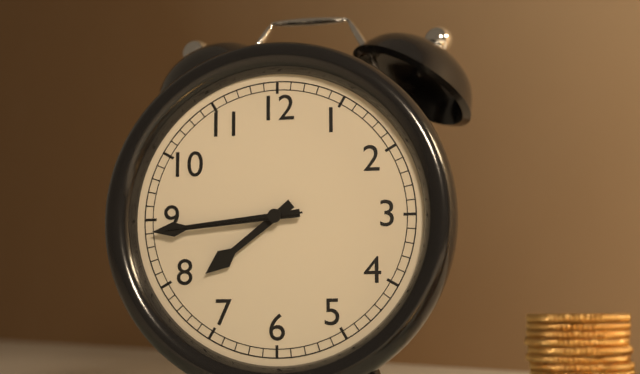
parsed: **7:44:44**
